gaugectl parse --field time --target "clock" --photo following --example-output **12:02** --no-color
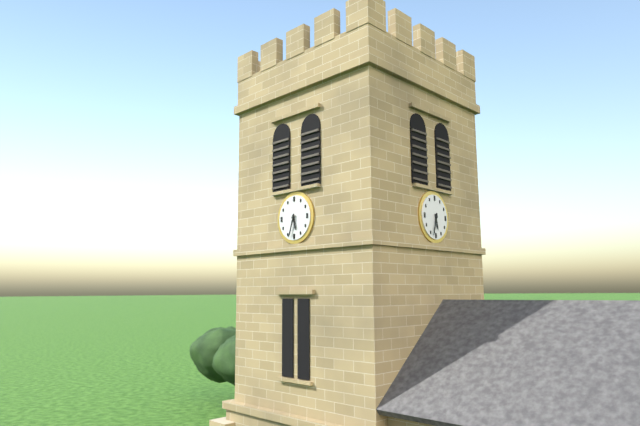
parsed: **5:33**
